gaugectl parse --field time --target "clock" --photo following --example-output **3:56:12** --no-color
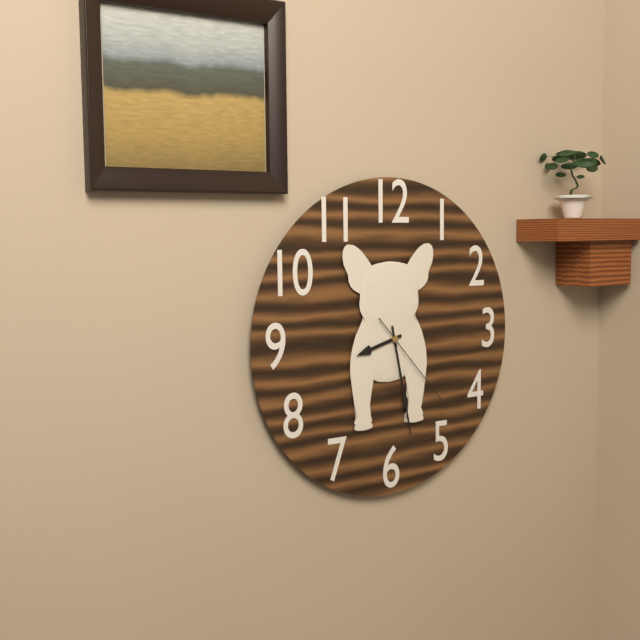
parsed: **8:28:23**
